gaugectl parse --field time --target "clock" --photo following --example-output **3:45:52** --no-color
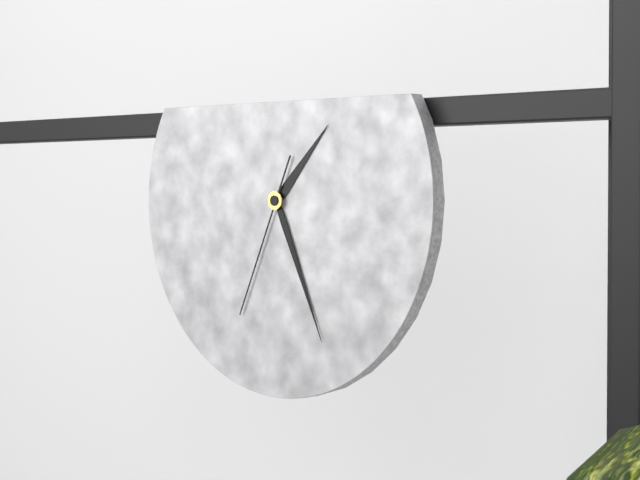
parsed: **1:26:34**
